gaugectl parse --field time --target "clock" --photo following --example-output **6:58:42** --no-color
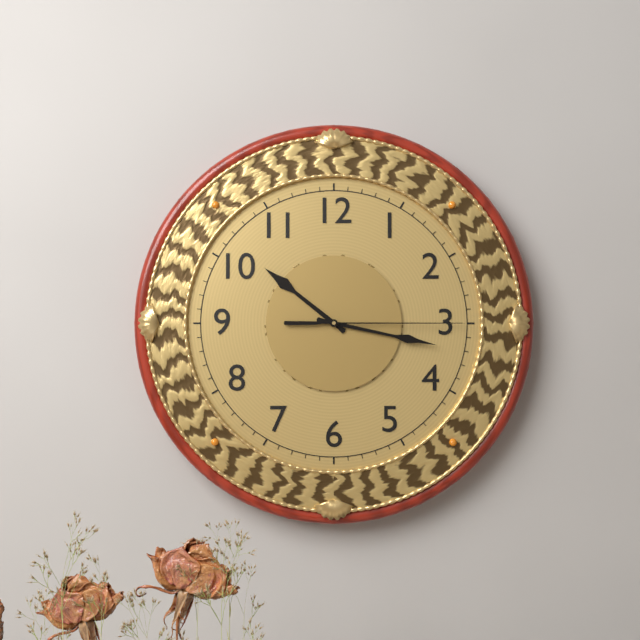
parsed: **10:17:15**
